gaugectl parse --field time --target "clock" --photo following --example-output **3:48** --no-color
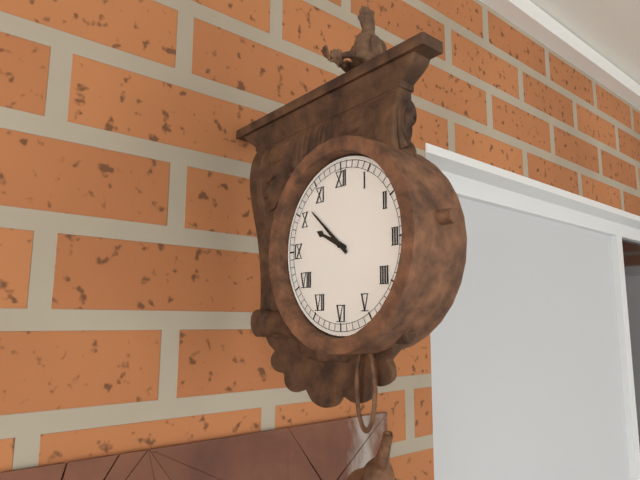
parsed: **9:52**
